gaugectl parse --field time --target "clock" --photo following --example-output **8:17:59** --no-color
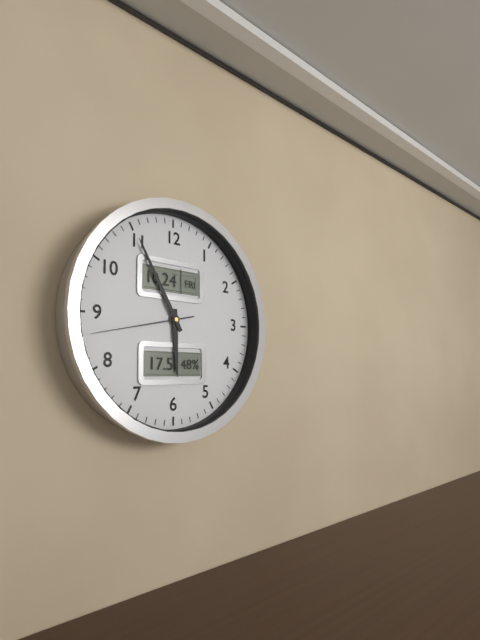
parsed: **5:55:43**
